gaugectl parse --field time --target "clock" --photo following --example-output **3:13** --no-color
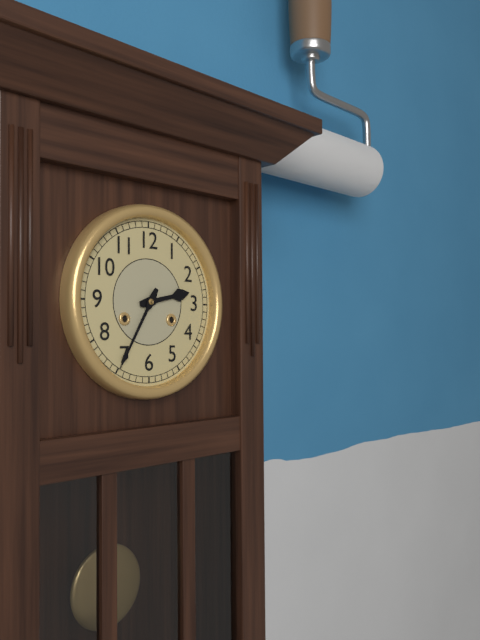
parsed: **2:35**
